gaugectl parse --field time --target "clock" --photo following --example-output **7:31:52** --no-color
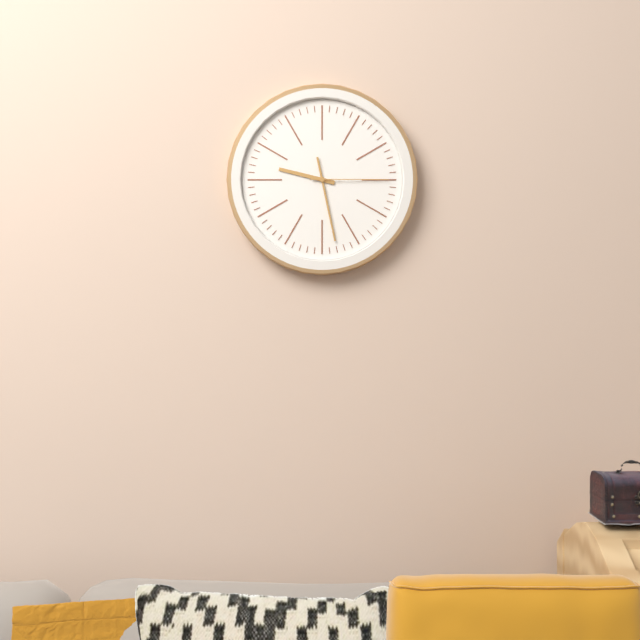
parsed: **9:28:15**
